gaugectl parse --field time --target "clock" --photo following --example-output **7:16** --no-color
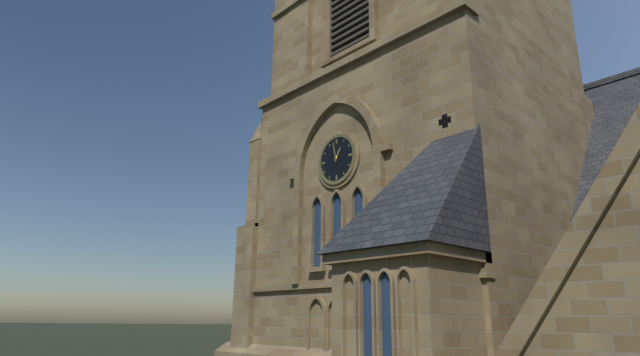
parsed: **12:58**
